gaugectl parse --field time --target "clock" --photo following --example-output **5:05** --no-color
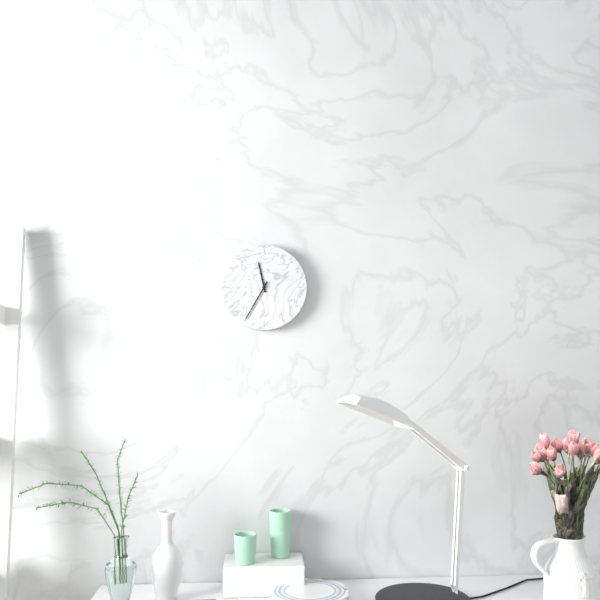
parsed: **11:35**
